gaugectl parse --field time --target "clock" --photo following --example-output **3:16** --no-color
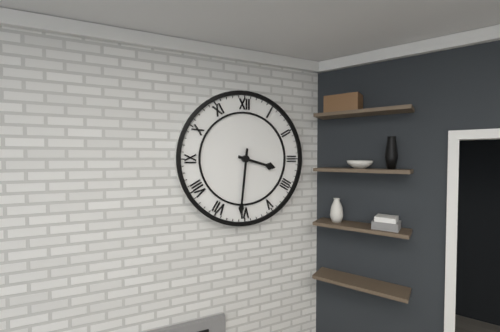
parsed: **3:31**
